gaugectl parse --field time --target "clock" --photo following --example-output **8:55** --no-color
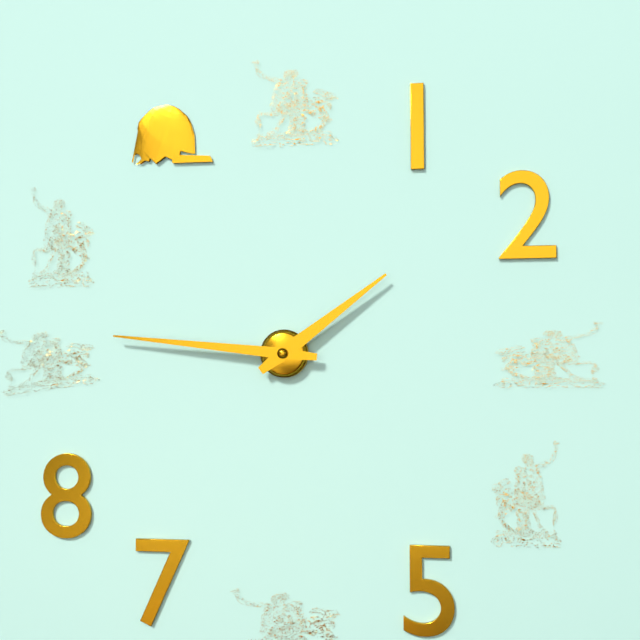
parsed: **1:46**
